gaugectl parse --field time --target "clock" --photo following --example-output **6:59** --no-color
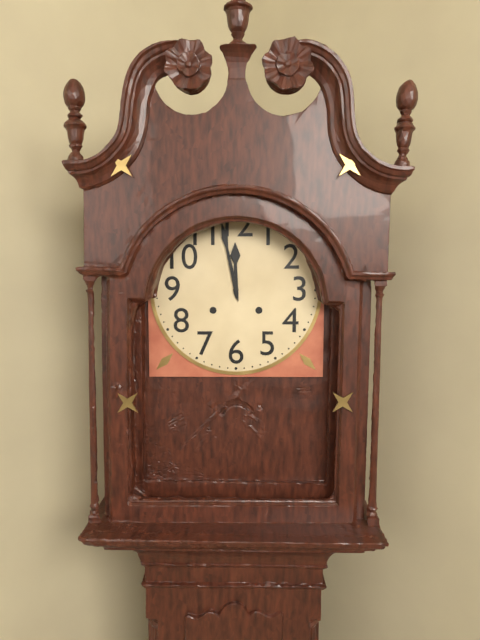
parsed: **11:58**
